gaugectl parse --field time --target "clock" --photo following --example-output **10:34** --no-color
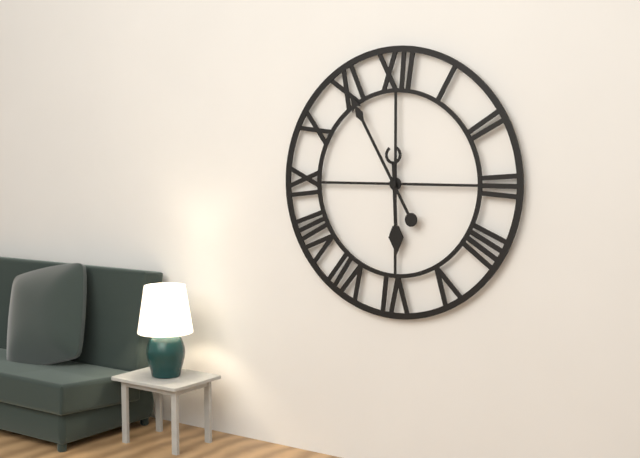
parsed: **5:55**
